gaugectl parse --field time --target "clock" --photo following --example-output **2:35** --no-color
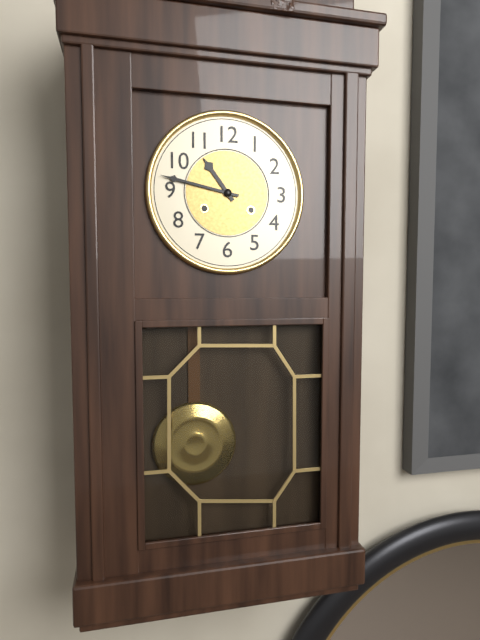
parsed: **10:47**
